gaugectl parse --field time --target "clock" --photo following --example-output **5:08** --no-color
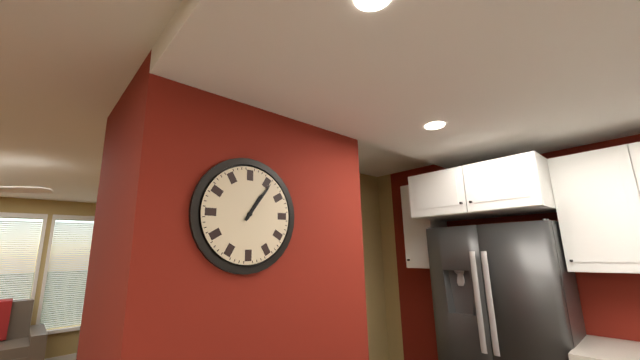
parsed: **1:06**
